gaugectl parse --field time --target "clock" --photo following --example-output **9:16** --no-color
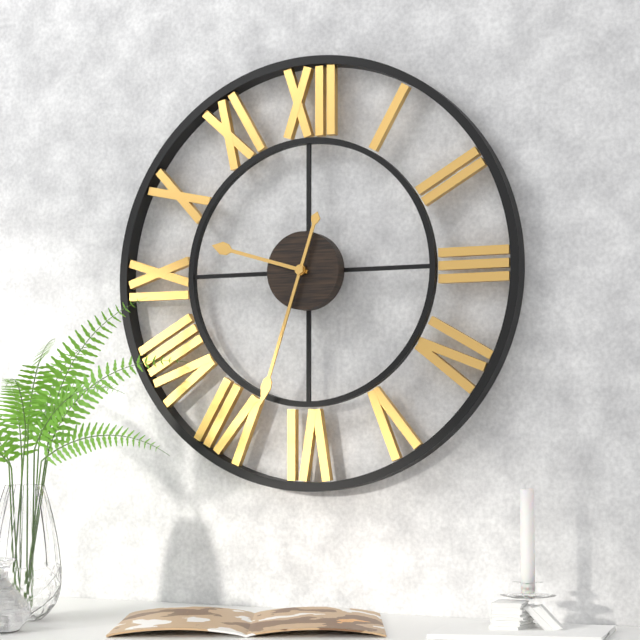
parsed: **9:33**
